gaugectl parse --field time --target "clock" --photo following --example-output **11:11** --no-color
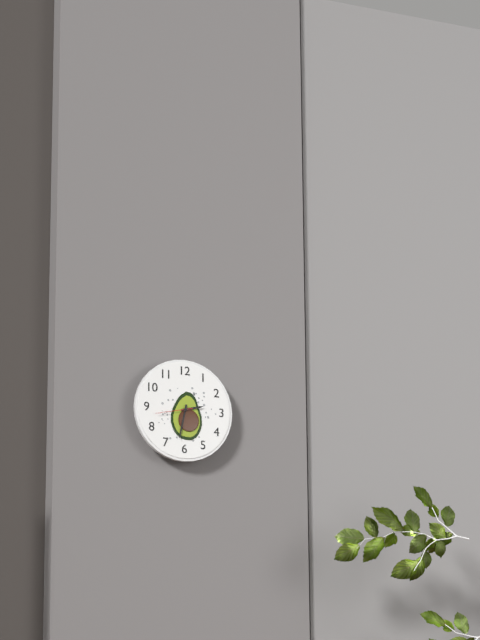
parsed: **2:32**
